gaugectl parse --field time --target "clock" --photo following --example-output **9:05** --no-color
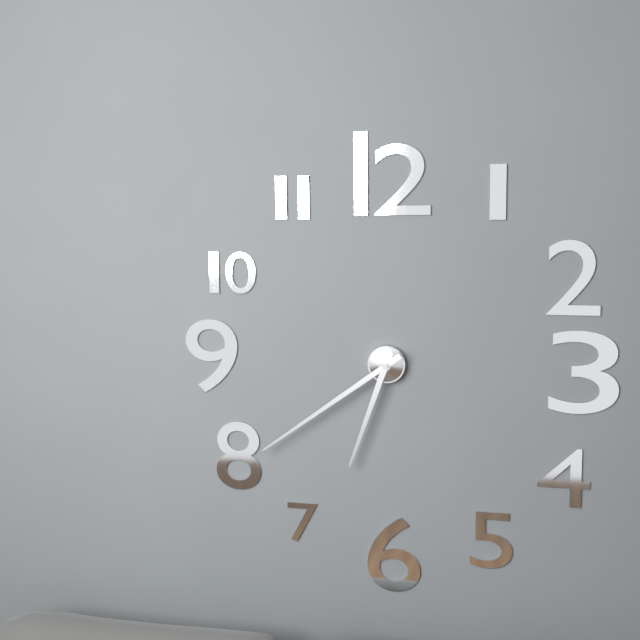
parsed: **6:39**
